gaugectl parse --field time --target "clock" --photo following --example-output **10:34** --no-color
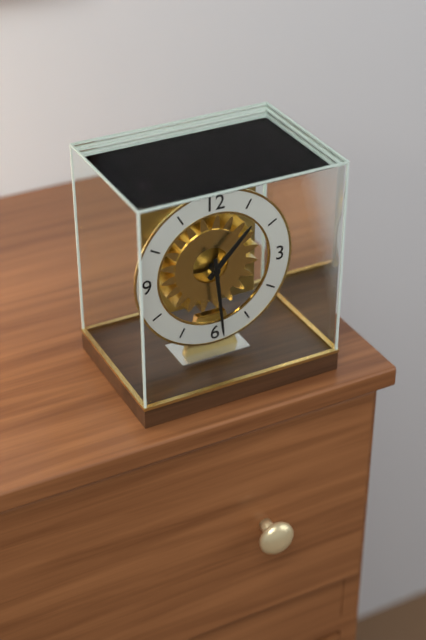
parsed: **1:29**
